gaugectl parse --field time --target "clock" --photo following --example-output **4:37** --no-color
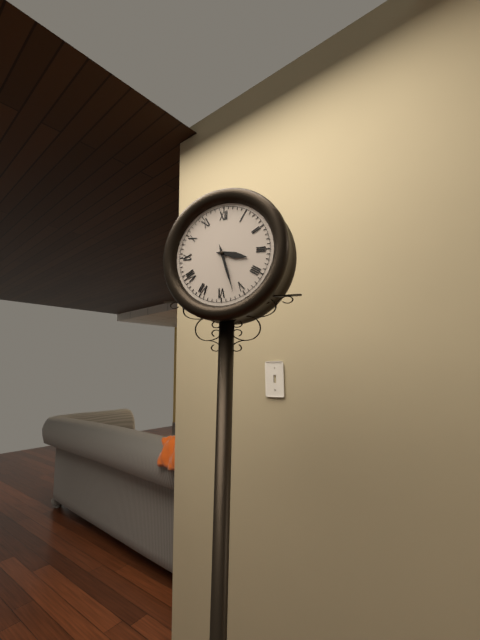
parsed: **3:27**
